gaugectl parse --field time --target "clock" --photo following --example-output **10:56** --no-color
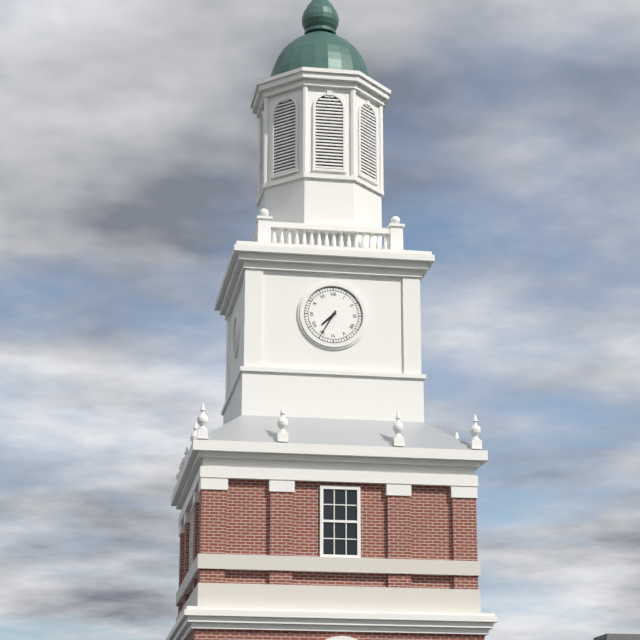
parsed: **7:35**
